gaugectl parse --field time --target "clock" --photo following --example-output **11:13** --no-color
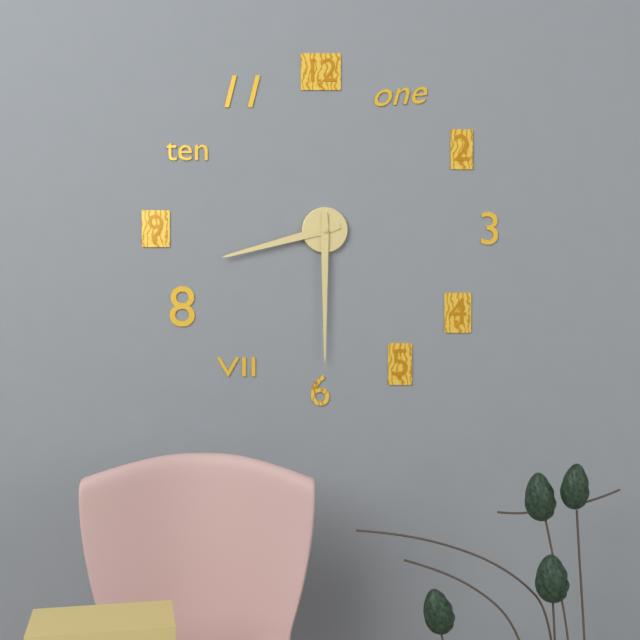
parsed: **8:30**
